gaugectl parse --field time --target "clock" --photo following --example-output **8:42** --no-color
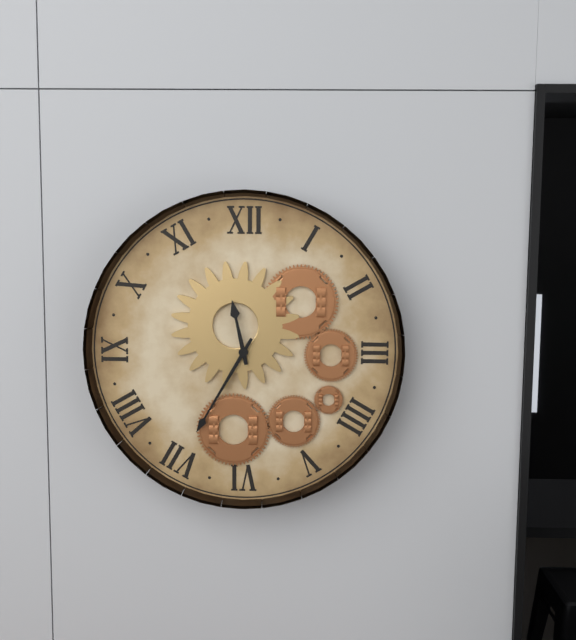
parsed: **11:35**
